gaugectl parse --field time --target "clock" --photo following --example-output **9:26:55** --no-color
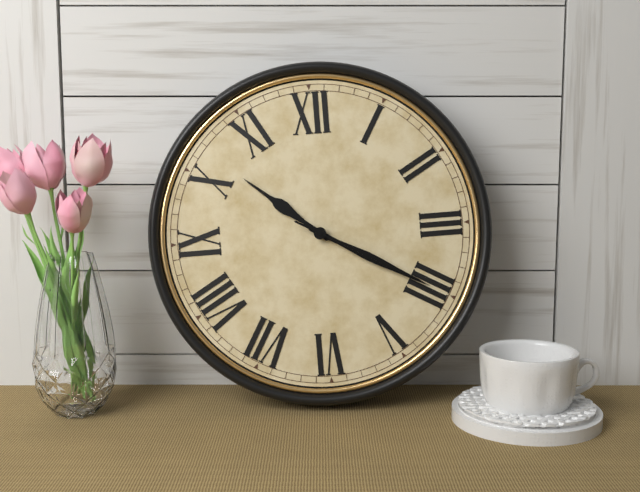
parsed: **10:20:20**
